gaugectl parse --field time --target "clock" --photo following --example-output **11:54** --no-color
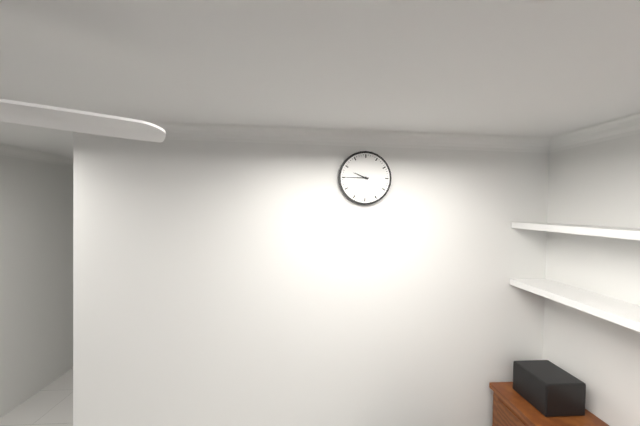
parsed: **9:45**
